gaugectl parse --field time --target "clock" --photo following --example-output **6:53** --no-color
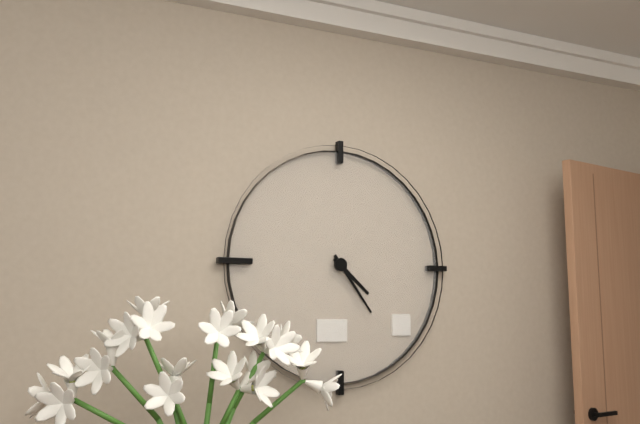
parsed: **4:24**
